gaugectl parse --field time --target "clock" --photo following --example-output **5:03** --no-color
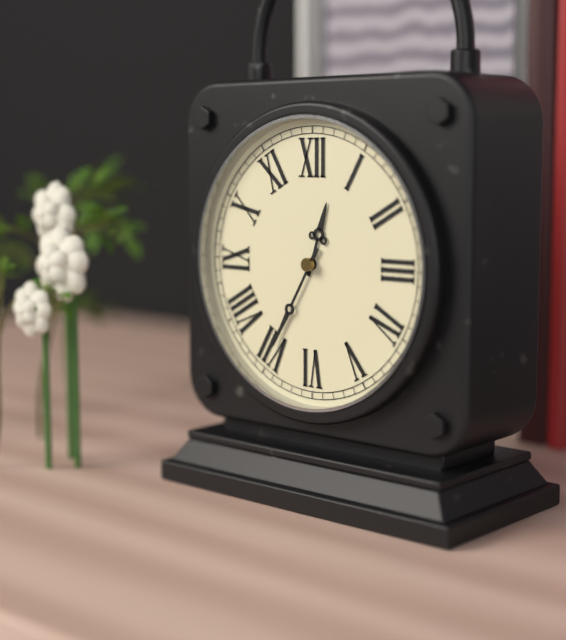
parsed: **12:35**
